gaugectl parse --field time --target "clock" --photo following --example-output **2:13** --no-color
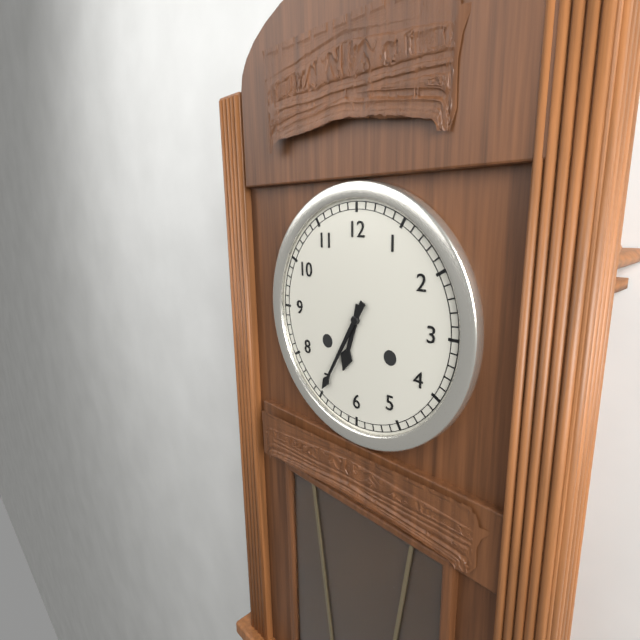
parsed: **6:35**
